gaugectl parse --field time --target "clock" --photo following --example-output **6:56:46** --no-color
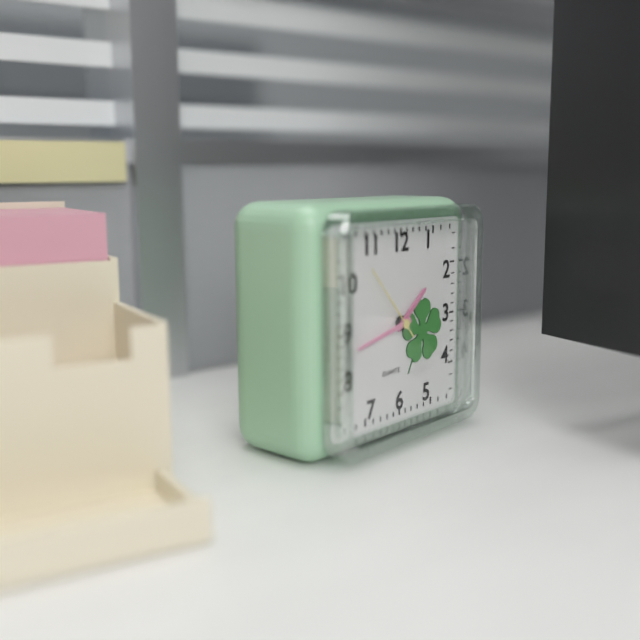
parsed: **1:43:53**
